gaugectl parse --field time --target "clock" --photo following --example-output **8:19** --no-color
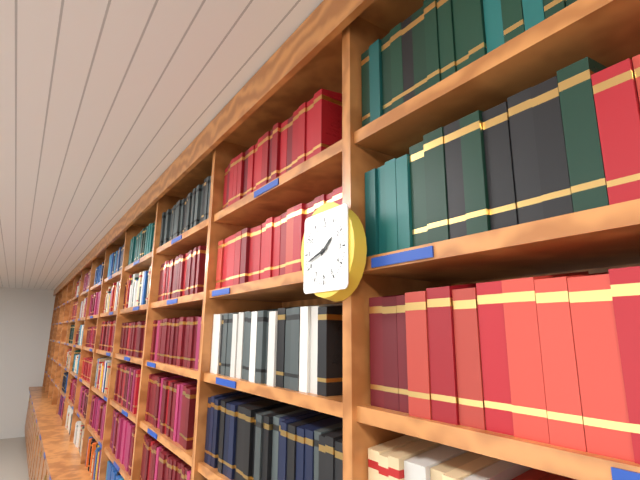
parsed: **1:42**
